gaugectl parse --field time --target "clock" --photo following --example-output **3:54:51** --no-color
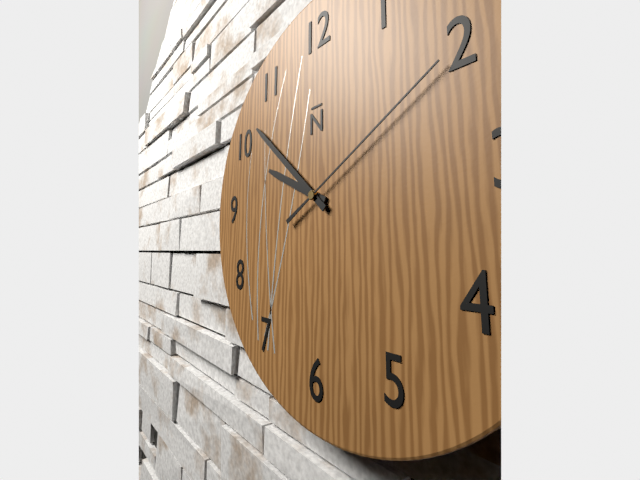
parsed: **9:52:10**
